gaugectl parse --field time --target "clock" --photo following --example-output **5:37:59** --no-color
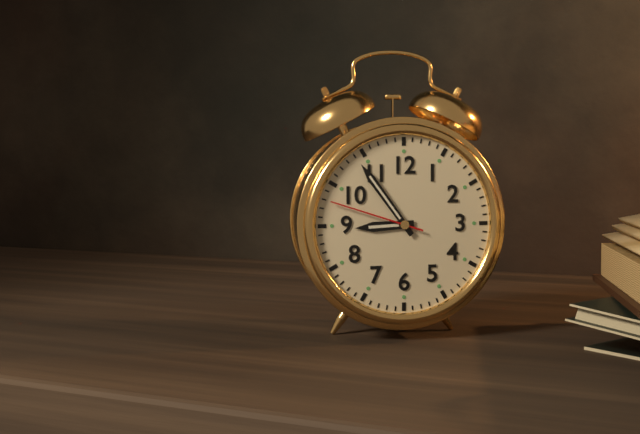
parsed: **8:54:48**
